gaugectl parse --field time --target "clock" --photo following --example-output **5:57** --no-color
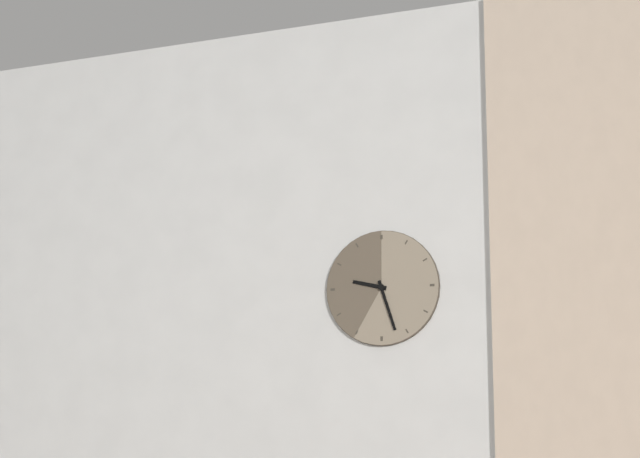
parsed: **9:27**
